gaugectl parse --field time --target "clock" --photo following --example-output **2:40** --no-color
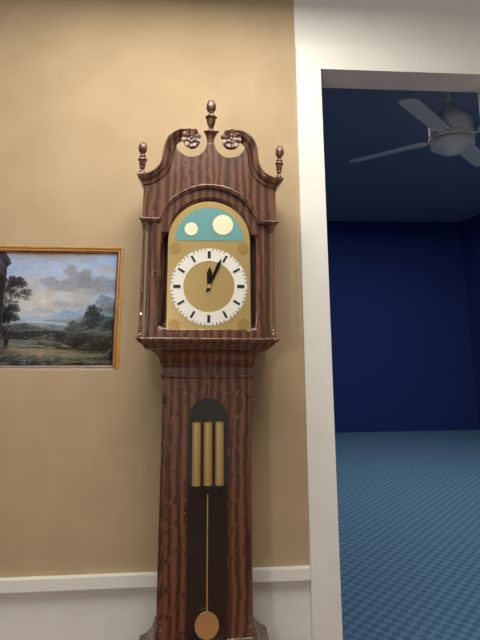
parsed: **12:04**
